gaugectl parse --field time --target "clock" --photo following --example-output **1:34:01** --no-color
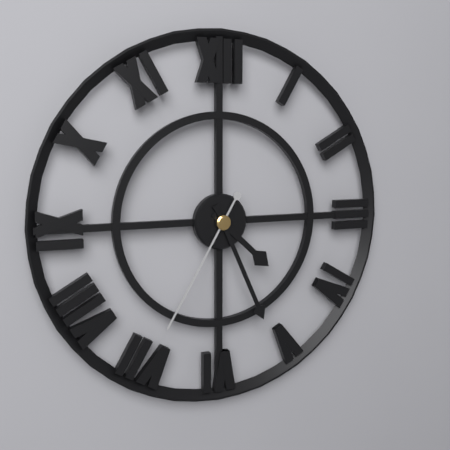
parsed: **4:26:35**
